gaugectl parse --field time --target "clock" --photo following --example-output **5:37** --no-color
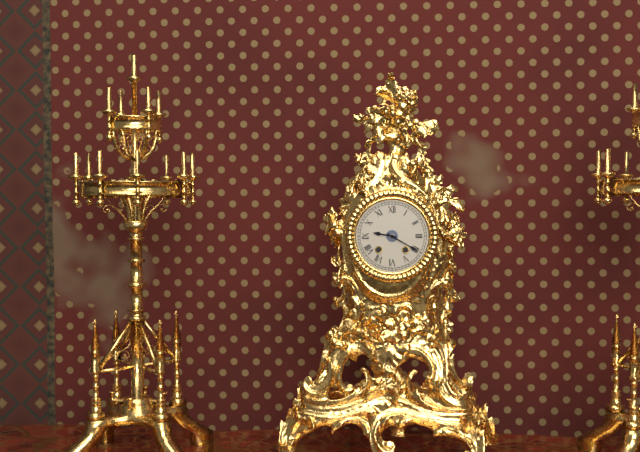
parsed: **9:20**
